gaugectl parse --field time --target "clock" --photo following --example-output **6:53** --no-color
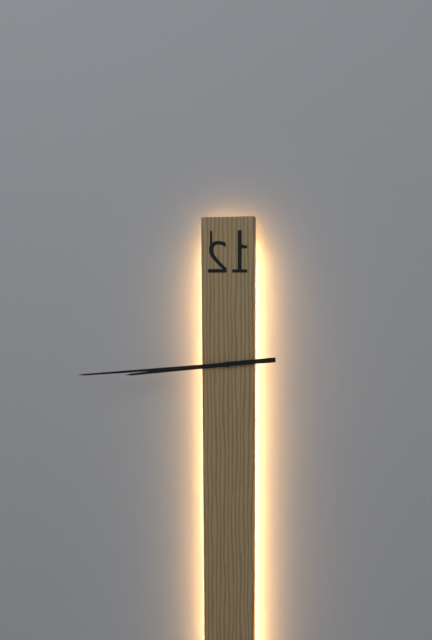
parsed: **8:44**
